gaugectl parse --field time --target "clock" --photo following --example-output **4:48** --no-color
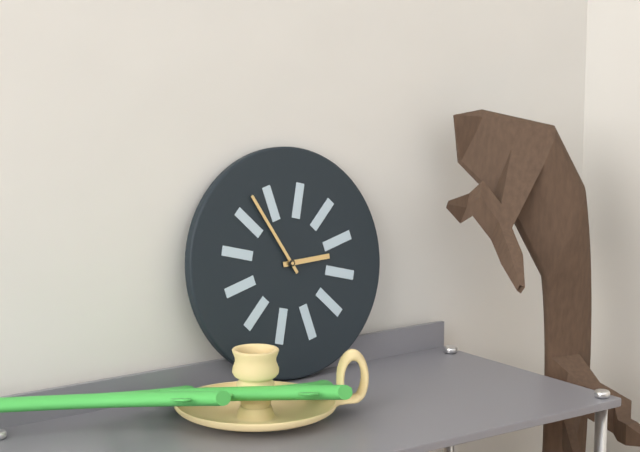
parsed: **2:55**
